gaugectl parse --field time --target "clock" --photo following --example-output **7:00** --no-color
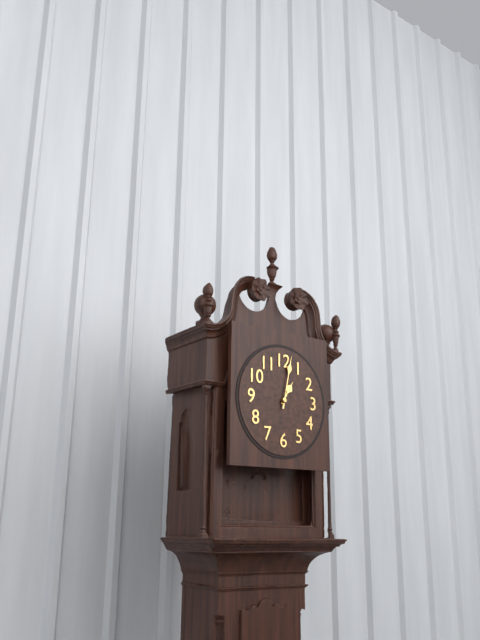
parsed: **1:02**
